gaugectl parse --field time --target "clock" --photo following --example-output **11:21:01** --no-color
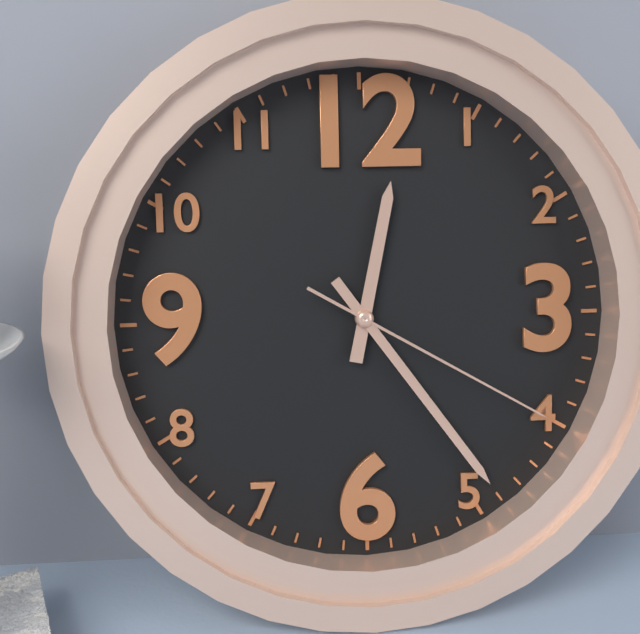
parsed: **12:24:20**
